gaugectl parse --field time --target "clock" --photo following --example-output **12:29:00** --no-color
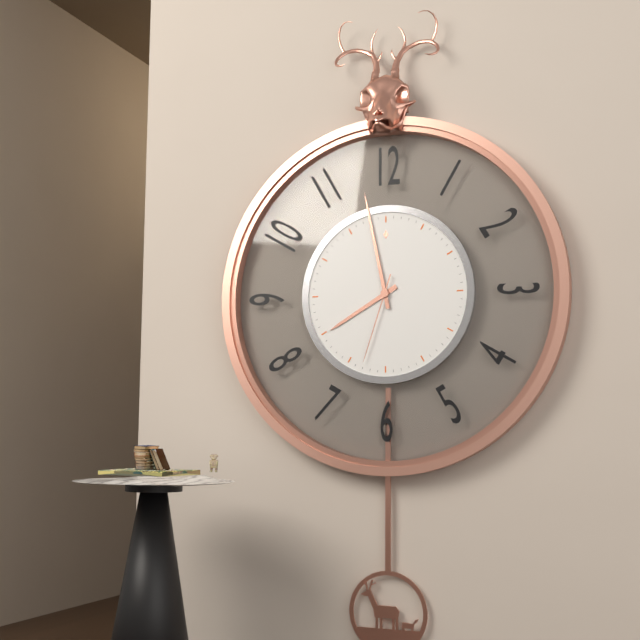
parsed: **7:58:33**
